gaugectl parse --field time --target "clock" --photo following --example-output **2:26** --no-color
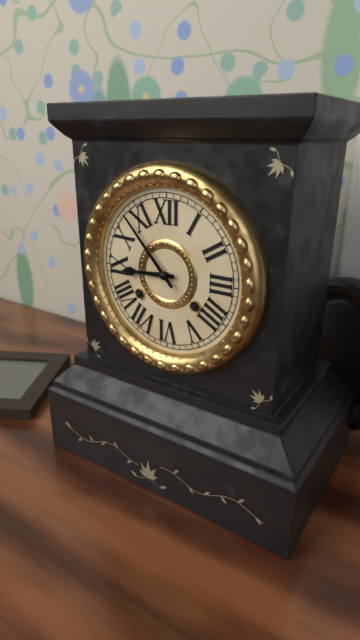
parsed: **8:53**
